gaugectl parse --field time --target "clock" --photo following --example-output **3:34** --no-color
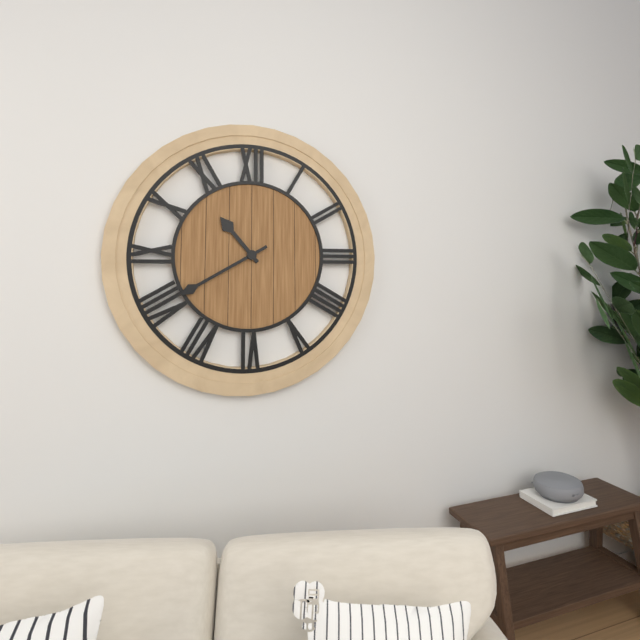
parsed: **10:40**
